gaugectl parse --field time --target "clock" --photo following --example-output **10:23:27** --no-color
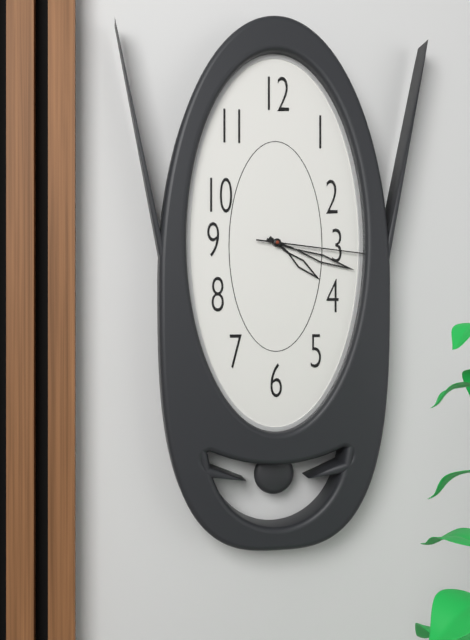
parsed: **4:18:16**
